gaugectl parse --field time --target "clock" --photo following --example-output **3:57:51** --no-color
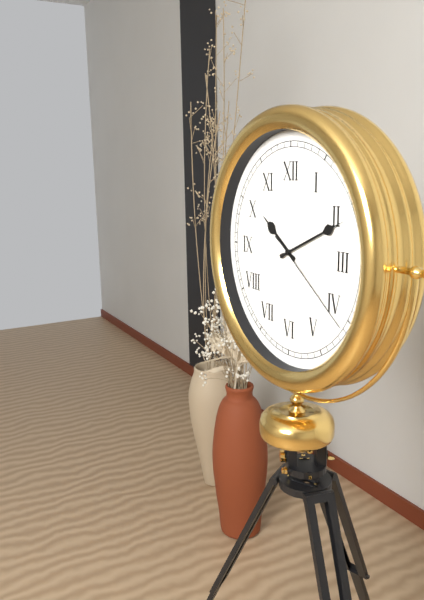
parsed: **10:11:21**
